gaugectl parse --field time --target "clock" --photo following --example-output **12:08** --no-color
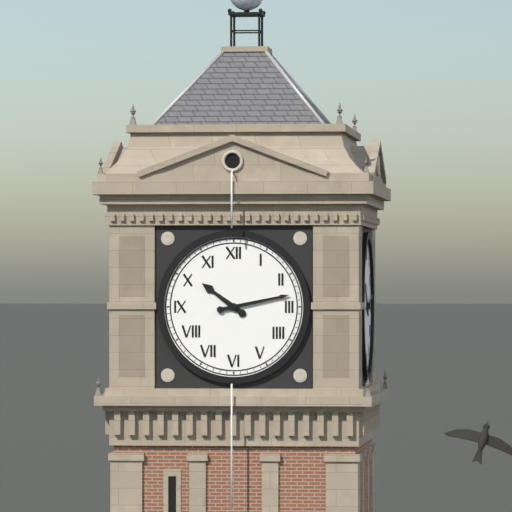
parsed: **10:13**
